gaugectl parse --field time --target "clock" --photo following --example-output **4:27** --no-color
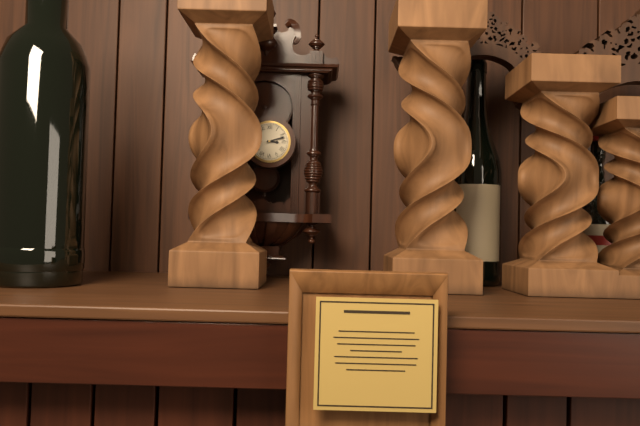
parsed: **3:12**
